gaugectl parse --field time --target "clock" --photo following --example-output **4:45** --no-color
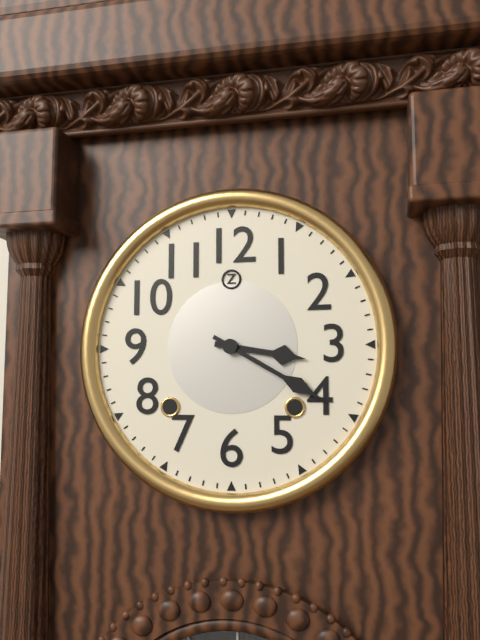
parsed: **3:20**
